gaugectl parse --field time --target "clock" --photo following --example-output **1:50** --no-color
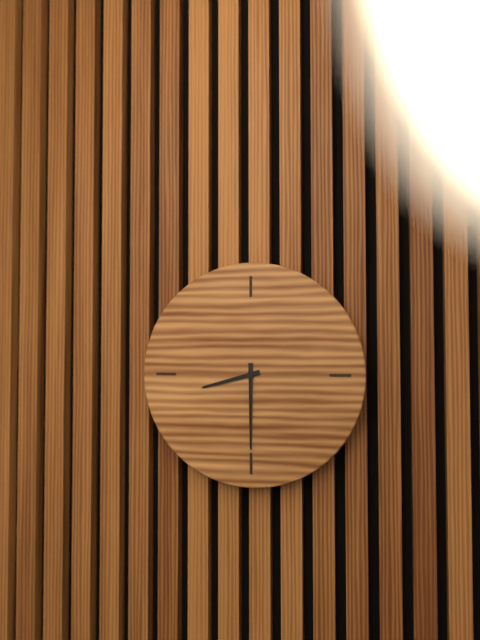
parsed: **8:30**
